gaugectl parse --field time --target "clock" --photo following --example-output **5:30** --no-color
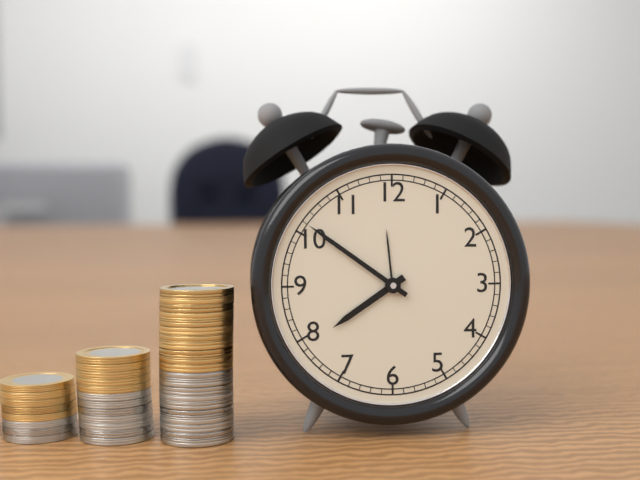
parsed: **7:51**
